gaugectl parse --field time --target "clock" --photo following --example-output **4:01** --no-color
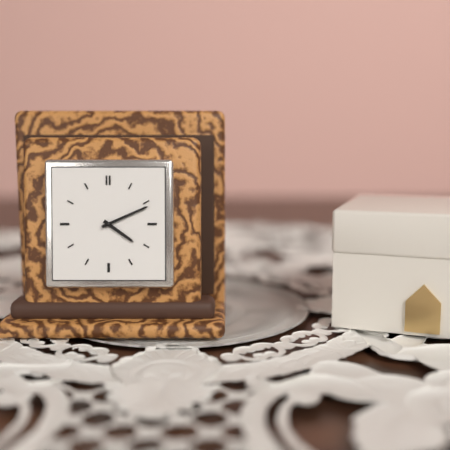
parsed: **4:11**
